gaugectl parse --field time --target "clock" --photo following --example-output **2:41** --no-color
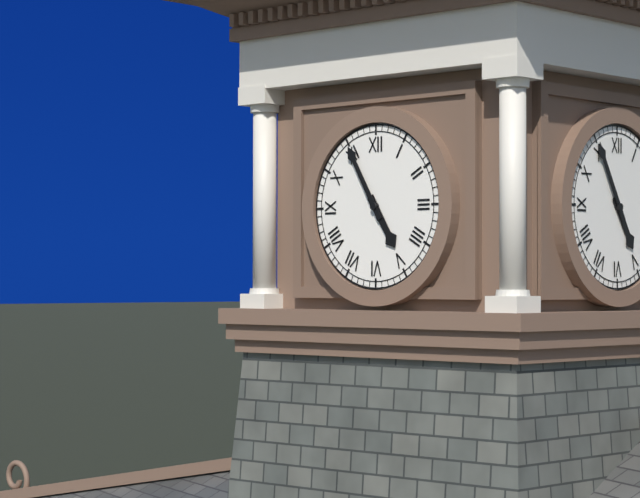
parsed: **4:55**
